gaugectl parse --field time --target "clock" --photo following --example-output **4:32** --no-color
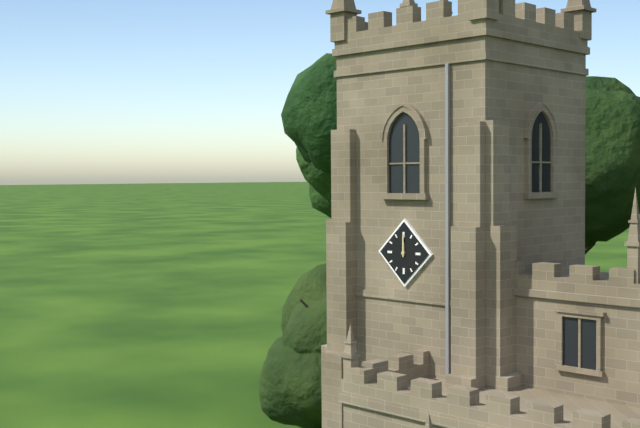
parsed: **12:00**
